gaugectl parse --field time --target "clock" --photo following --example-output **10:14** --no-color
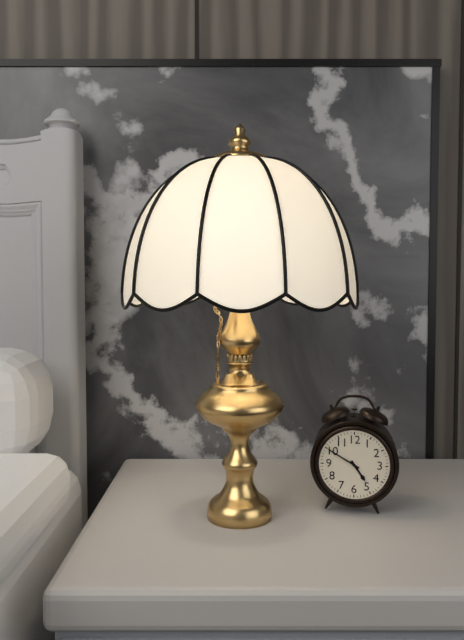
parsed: **4:50**
